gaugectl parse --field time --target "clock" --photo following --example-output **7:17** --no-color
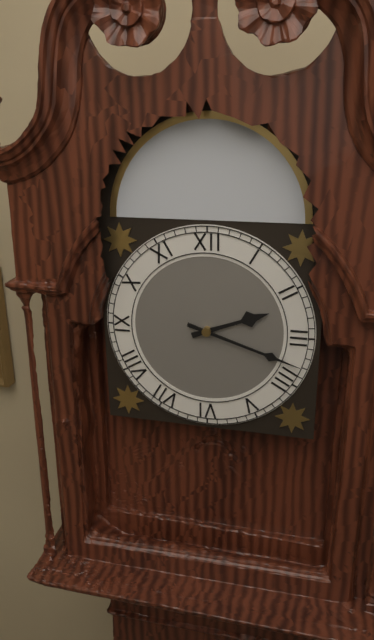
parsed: **2:18**
